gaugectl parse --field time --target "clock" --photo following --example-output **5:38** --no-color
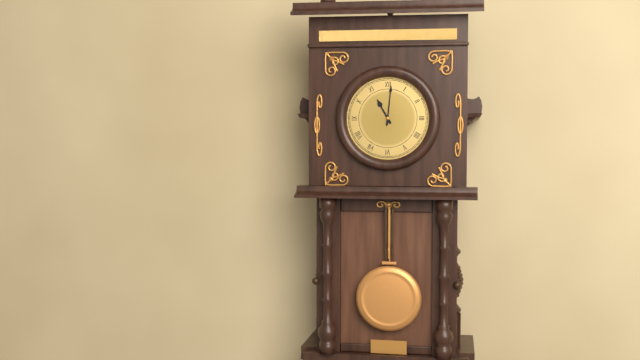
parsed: **11:01**
